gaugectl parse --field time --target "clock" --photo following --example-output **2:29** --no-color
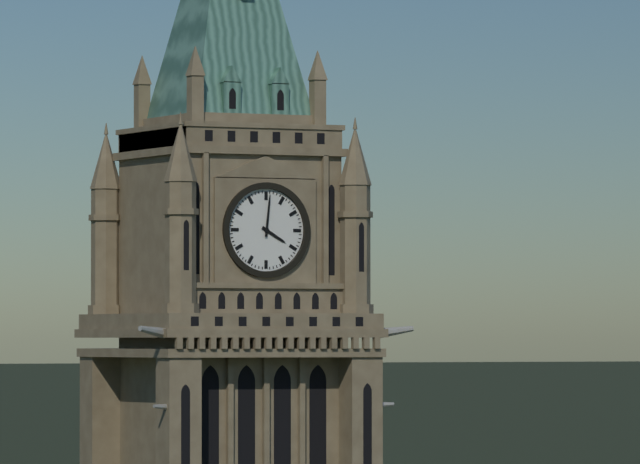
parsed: **4:01**
